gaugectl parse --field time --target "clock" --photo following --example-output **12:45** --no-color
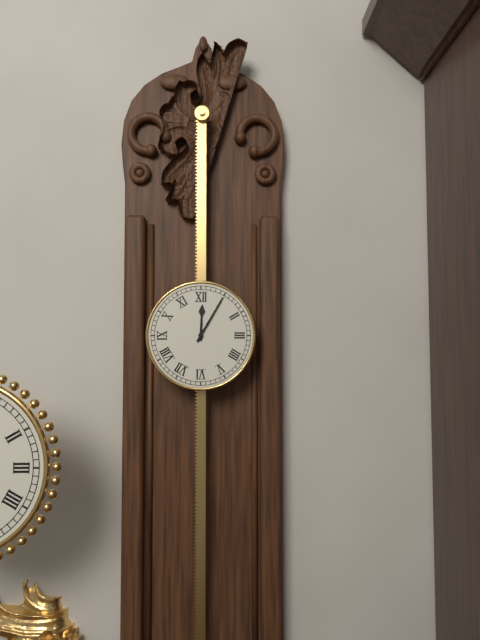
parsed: **12:05**
